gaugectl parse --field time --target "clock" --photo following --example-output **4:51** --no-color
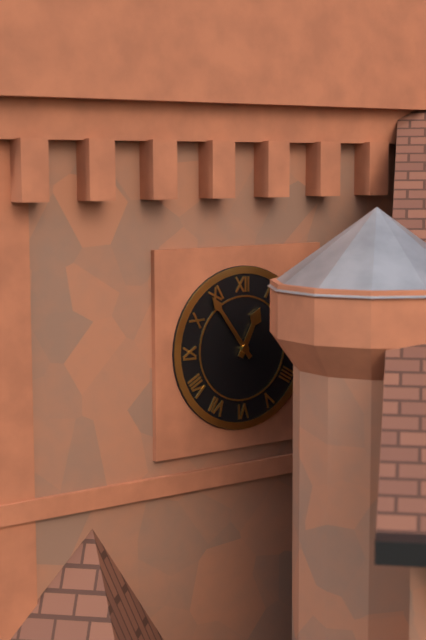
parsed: **12:54**
